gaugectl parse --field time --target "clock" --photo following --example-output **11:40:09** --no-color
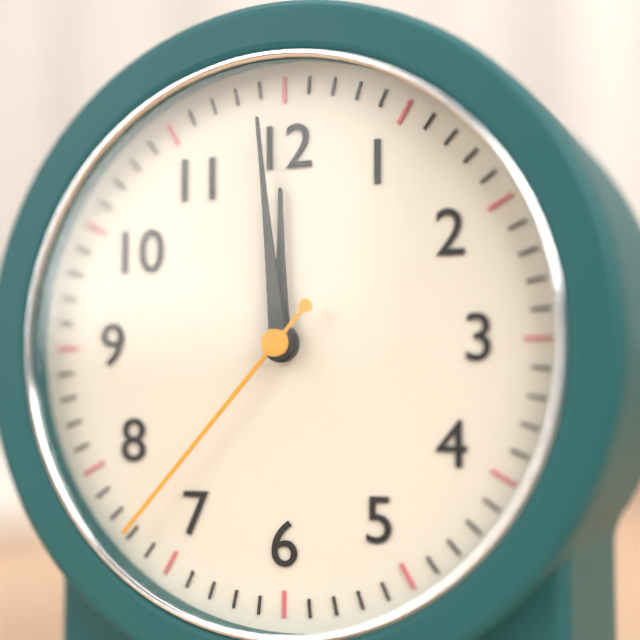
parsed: **11:59:37**
